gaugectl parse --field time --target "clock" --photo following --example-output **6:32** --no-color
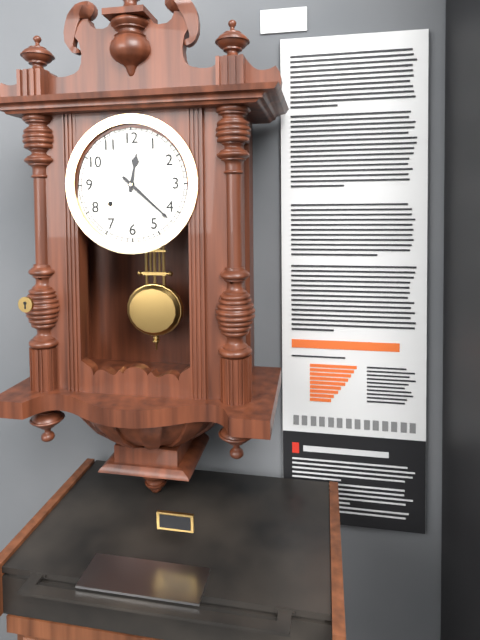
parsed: **12:22**
